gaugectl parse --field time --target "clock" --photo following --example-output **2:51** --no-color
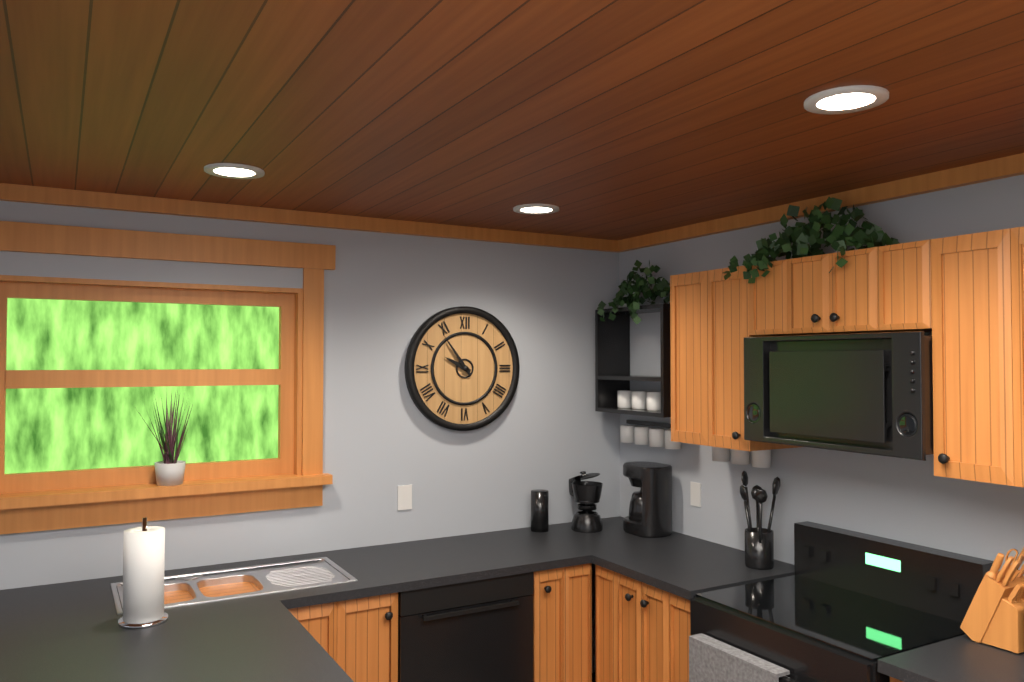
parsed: **9:54**
